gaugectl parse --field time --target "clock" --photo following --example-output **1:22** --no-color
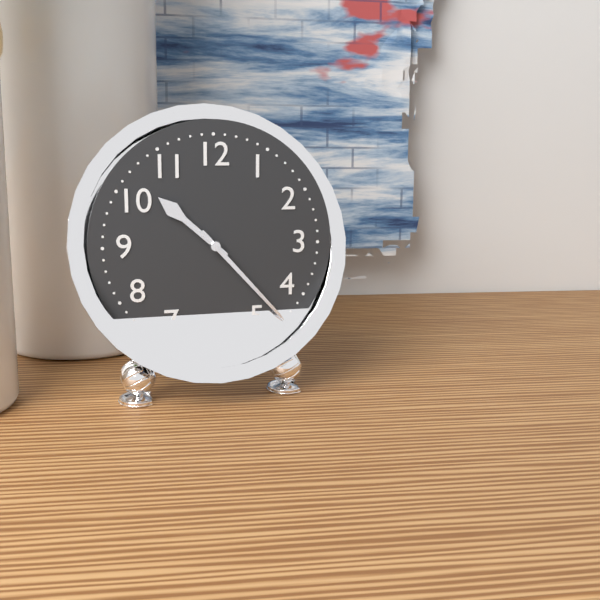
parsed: **10:23**
